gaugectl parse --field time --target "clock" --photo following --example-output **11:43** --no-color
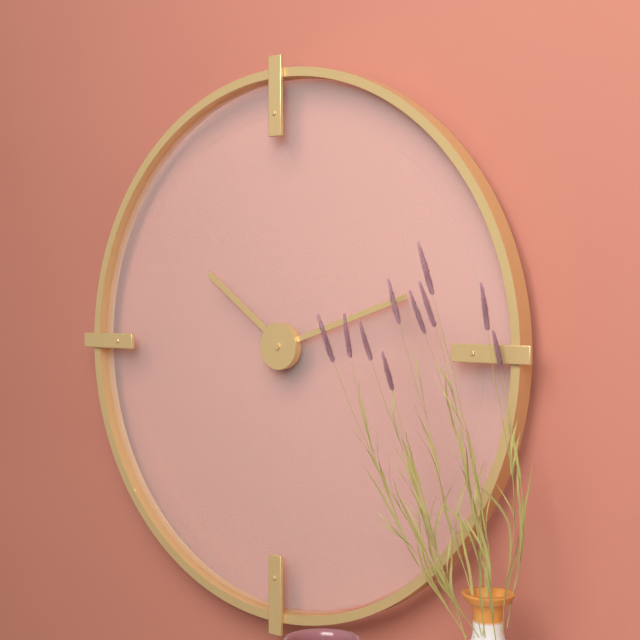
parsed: **10:12**
